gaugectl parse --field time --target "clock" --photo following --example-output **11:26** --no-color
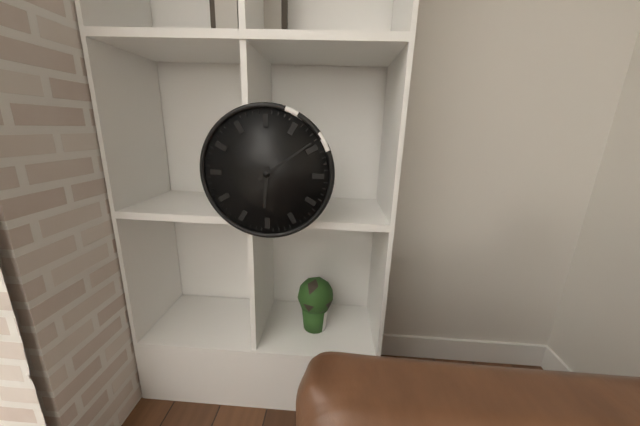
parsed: **6:09**
